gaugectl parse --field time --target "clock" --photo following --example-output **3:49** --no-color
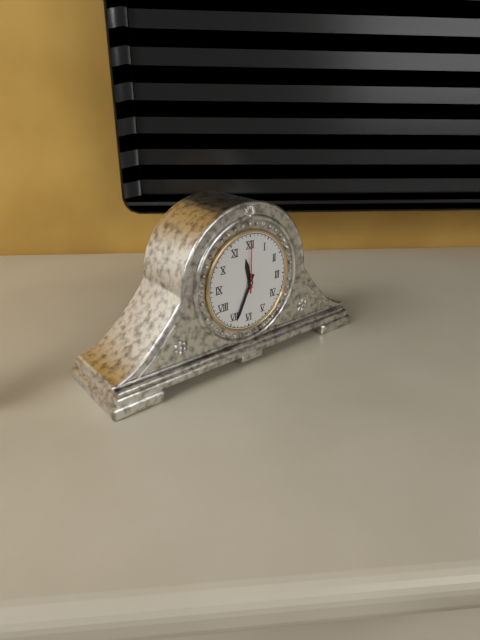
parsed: **11:34**
